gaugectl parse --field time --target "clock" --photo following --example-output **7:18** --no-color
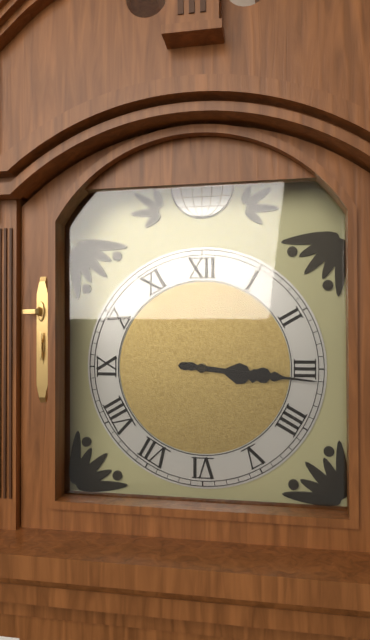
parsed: **3:16**
